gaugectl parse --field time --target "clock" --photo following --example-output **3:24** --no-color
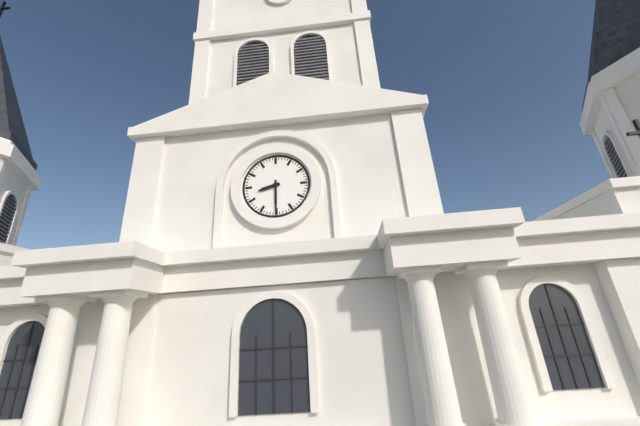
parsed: **8:30**
